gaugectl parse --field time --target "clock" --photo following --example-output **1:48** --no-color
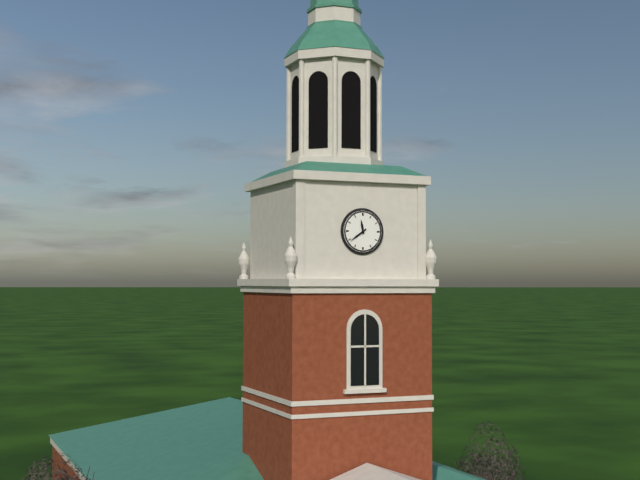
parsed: **11:39**
